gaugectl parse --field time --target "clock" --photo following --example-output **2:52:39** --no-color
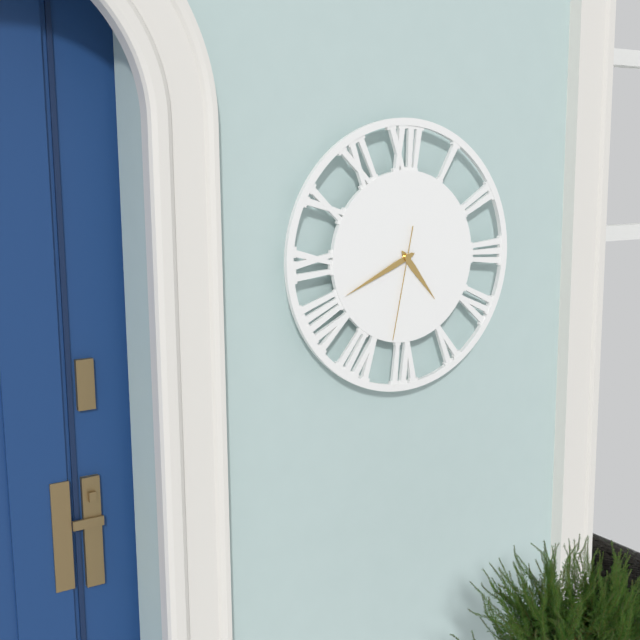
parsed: **4:41:32**
